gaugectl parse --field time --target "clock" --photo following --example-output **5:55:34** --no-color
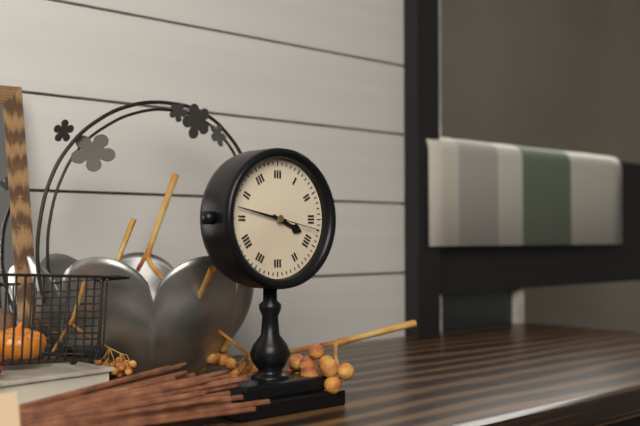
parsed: **3:47:17**
